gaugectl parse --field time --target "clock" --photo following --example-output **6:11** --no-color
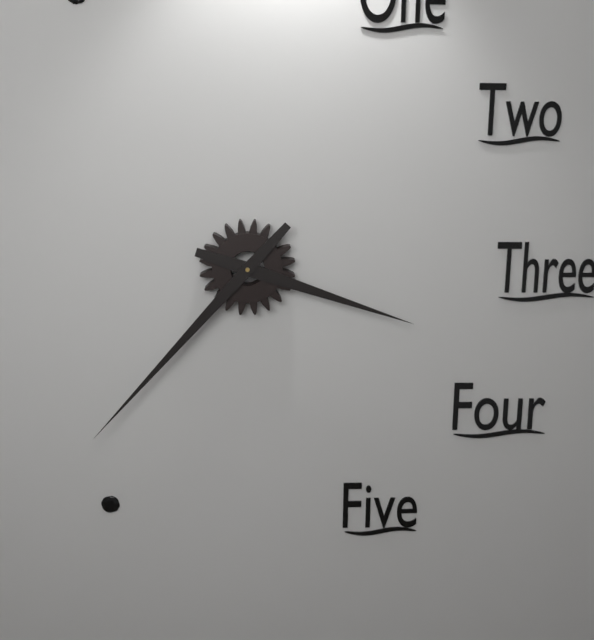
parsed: **3:37**
